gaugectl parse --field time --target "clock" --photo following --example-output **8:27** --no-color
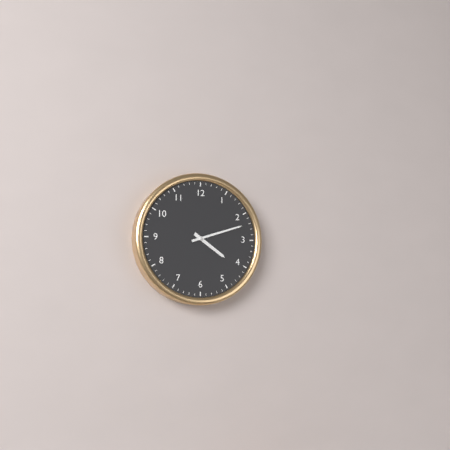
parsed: **4:12**
